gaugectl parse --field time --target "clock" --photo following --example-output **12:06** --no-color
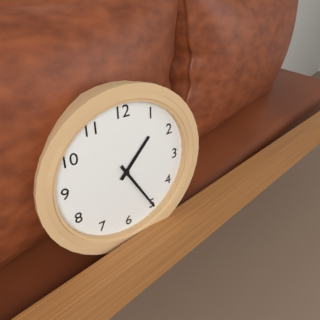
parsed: **1:25**
